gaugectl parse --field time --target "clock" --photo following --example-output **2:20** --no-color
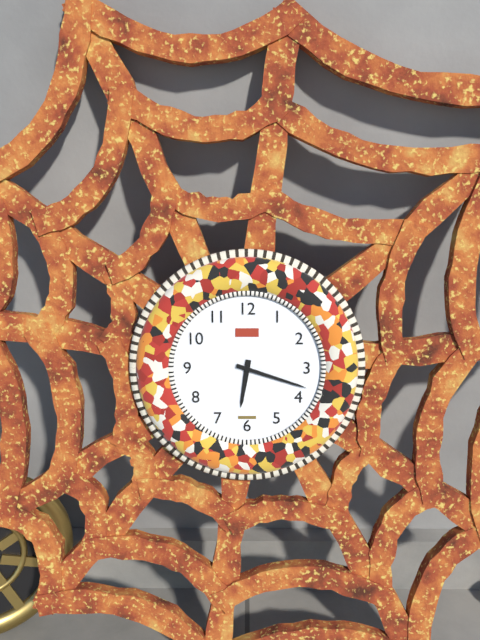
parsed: **6:18**
